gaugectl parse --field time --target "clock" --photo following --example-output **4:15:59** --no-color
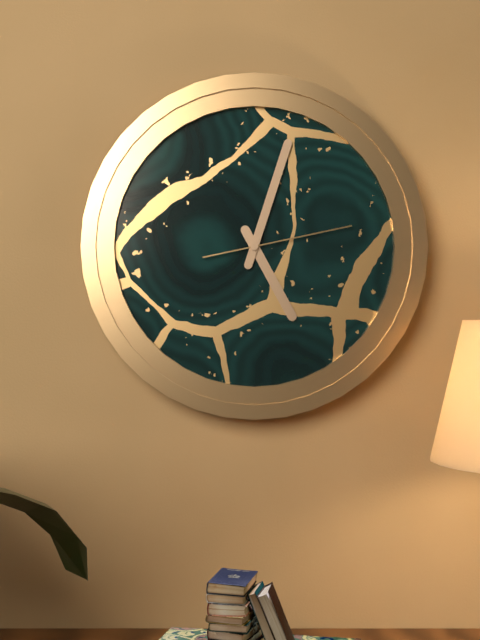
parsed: **5:03:13**
